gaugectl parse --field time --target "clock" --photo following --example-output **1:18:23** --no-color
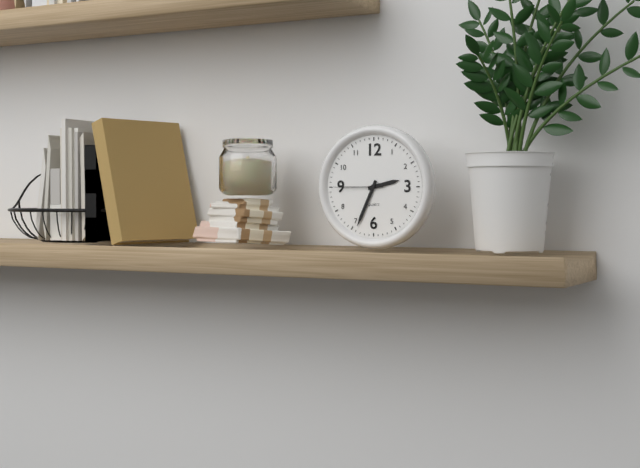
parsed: **2:34:45**
